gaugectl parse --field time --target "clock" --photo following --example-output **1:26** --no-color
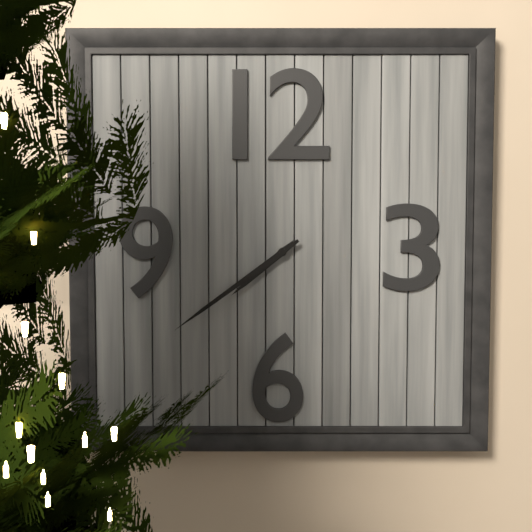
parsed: **7:39**
